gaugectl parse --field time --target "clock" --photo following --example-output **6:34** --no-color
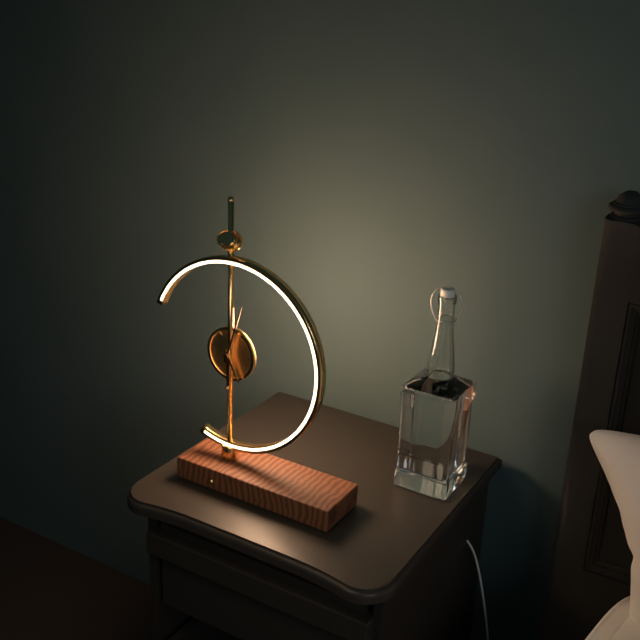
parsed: **5:03**
